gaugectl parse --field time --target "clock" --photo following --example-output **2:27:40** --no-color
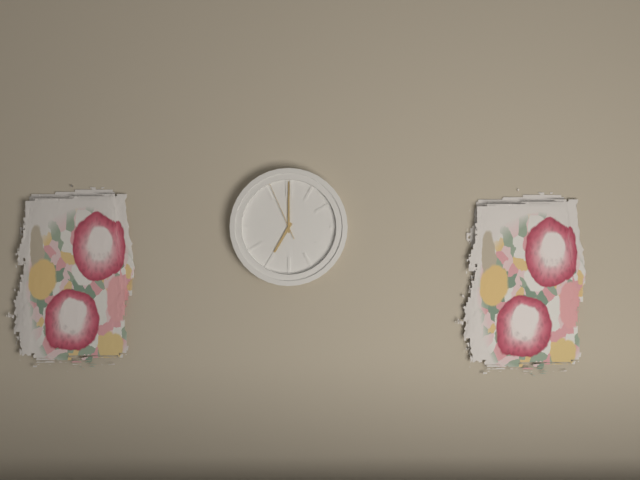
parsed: **7:00:56**
